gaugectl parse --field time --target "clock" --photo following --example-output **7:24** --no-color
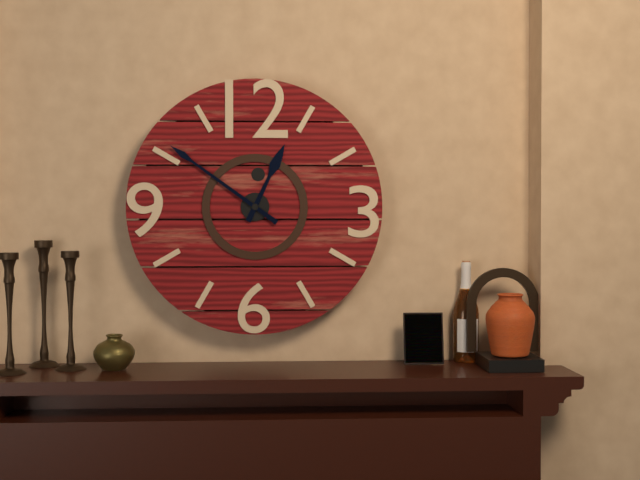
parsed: **12:51**
